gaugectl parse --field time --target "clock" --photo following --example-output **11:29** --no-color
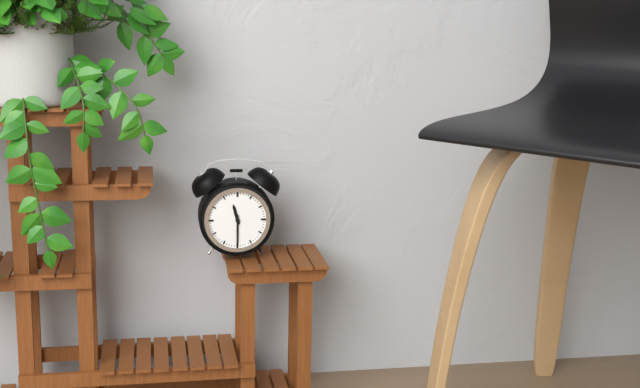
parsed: **11:30**
